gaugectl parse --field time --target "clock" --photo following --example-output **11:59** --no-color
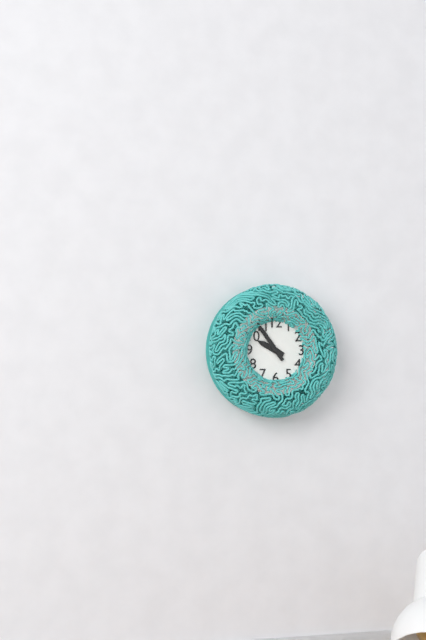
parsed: **9:54**
